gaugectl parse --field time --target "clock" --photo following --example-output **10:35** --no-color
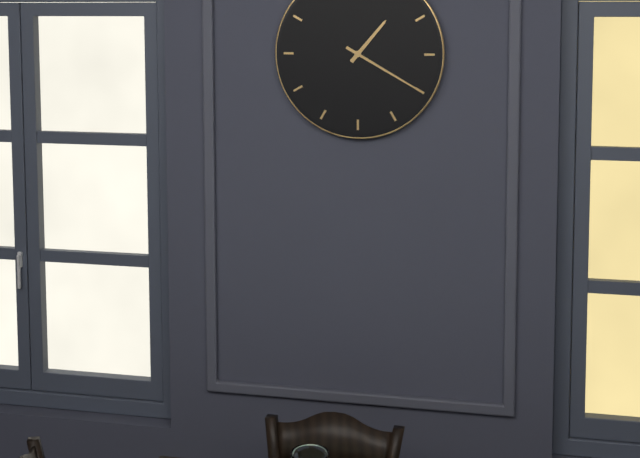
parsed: **1:20**
